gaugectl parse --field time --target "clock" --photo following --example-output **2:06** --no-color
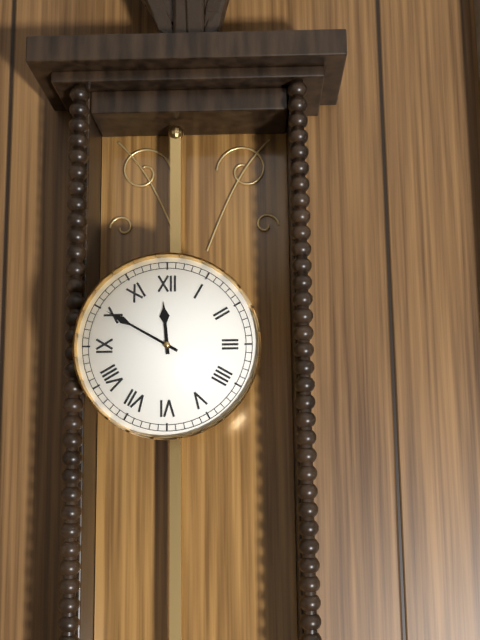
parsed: **11:50**
